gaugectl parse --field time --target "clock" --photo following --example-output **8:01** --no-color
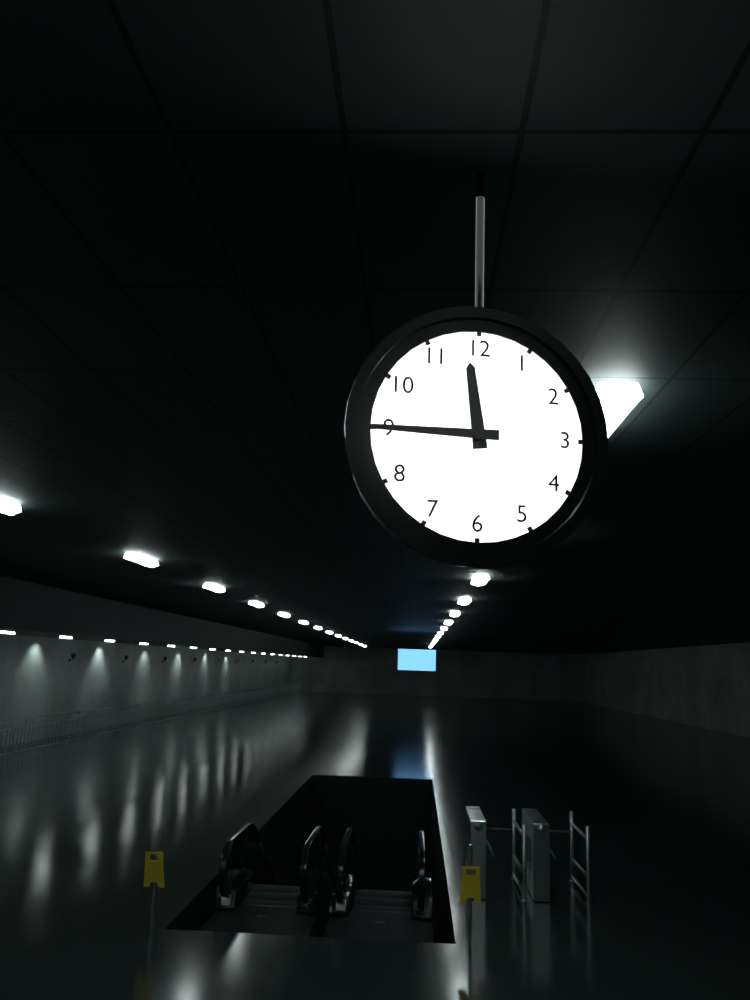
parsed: **11:45**
